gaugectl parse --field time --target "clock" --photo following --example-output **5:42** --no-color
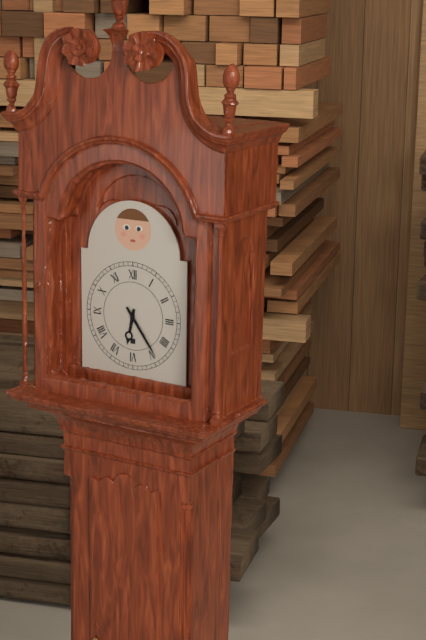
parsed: **6:24**
